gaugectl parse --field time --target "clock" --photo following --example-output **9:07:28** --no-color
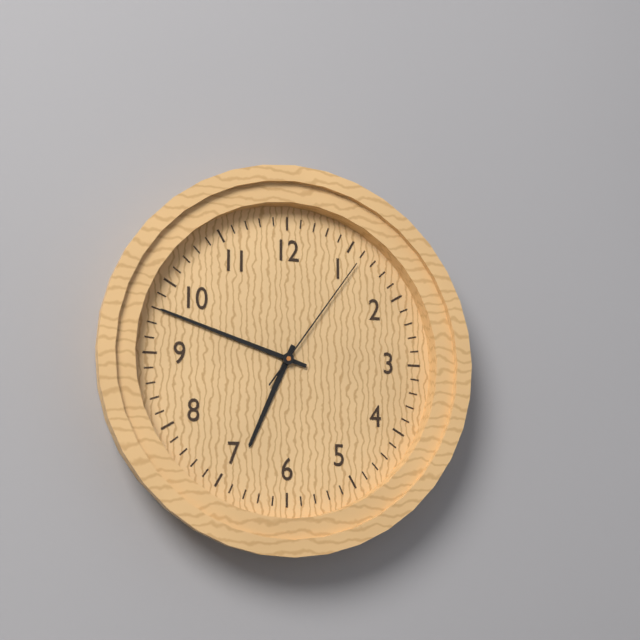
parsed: **6:48:06**
